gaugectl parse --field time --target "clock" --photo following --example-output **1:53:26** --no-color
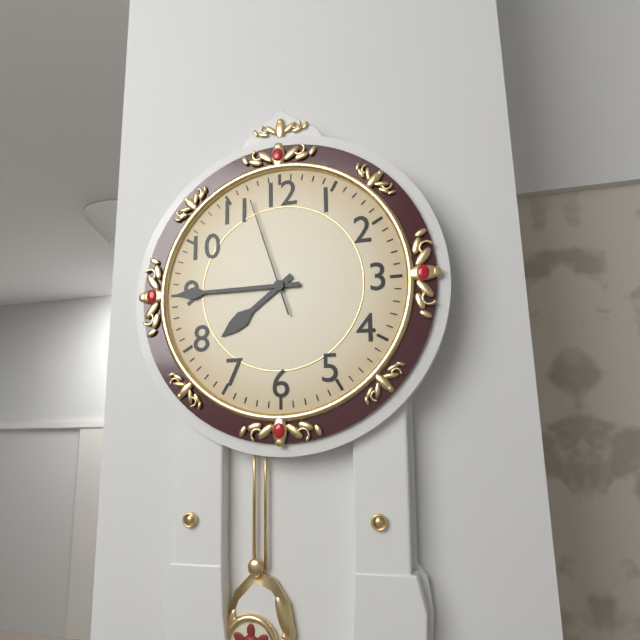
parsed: **7:45:57**
